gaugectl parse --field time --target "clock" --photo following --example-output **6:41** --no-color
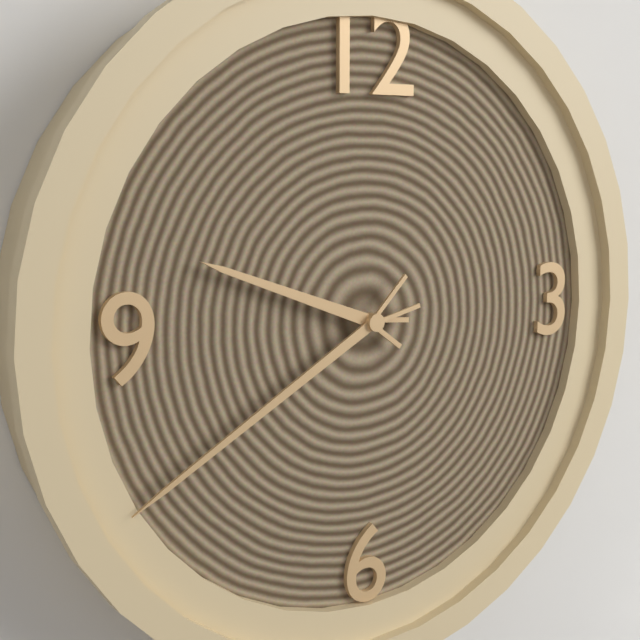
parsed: **9:40**
